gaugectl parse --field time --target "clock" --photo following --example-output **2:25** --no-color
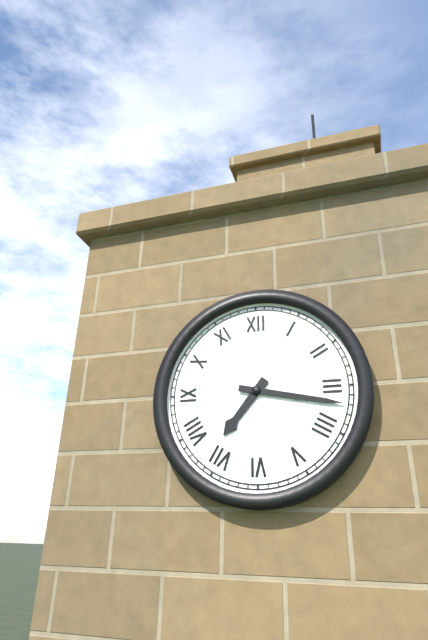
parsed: **7:17**
